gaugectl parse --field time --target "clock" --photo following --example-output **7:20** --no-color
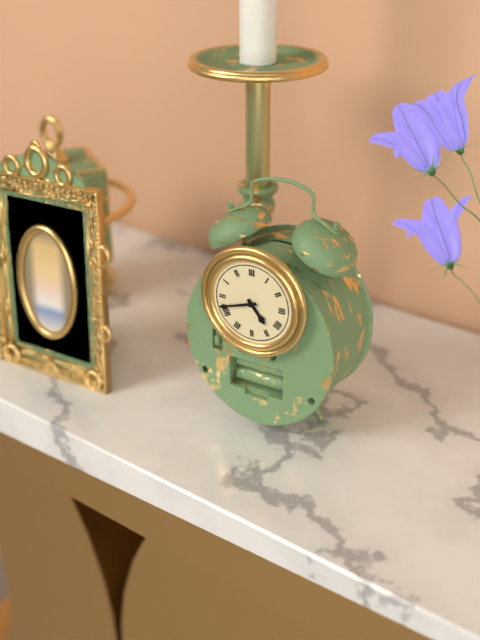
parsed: **4:42**
